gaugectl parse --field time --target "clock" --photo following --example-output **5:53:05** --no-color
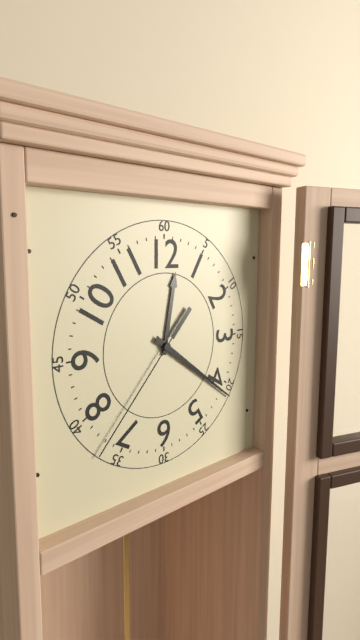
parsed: **12:21:37**
